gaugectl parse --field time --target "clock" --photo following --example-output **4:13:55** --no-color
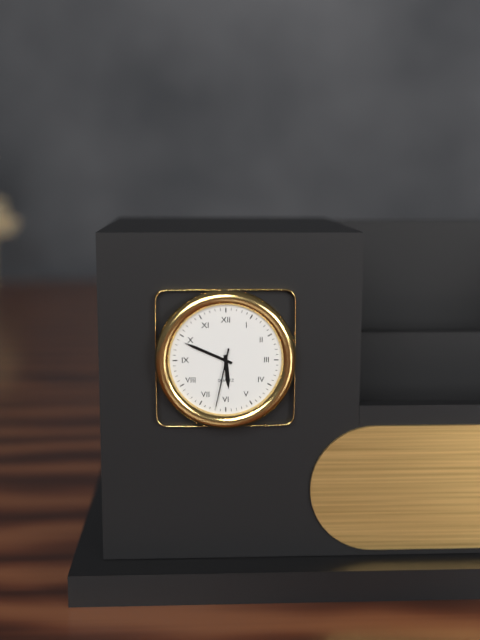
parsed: **5:49:32**
